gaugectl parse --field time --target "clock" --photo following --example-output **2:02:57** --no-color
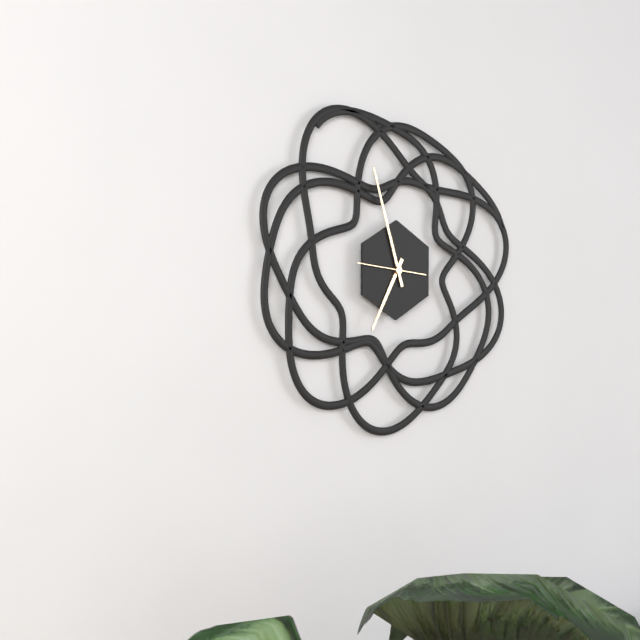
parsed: **6:57:46**
